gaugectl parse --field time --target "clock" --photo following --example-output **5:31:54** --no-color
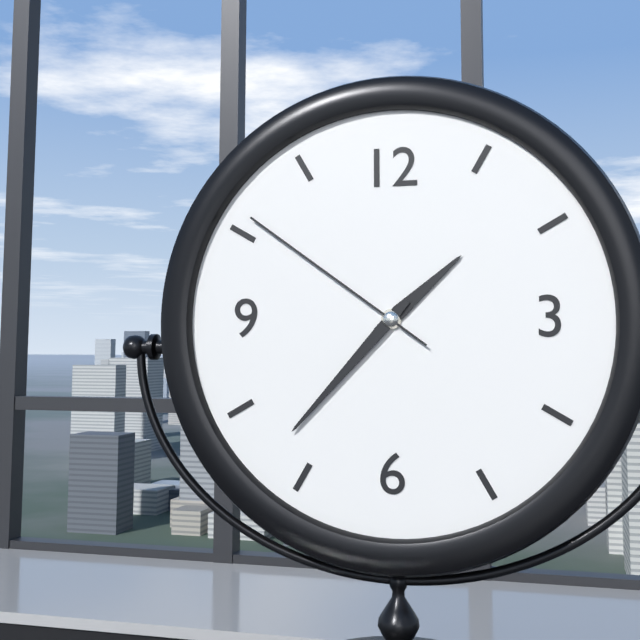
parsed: **1:37:51**
